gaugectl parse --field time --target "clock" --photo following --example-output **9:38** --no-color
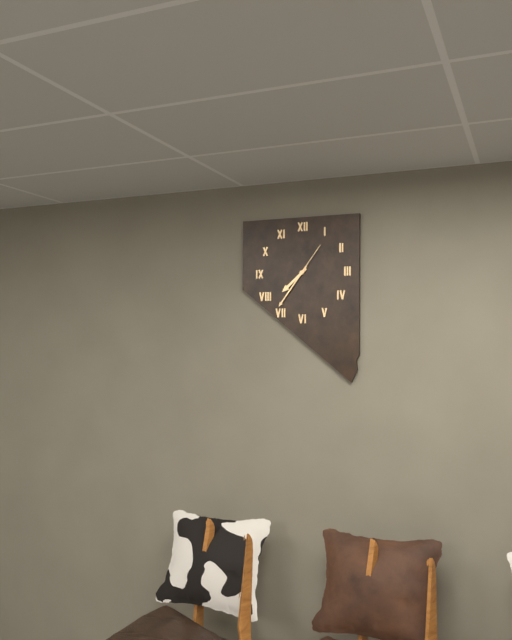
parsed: **7:36**
